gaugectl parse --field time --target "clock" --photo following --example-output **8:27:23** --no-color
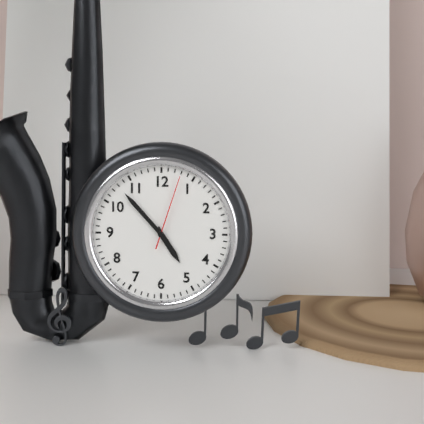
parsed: **4:53:03**
